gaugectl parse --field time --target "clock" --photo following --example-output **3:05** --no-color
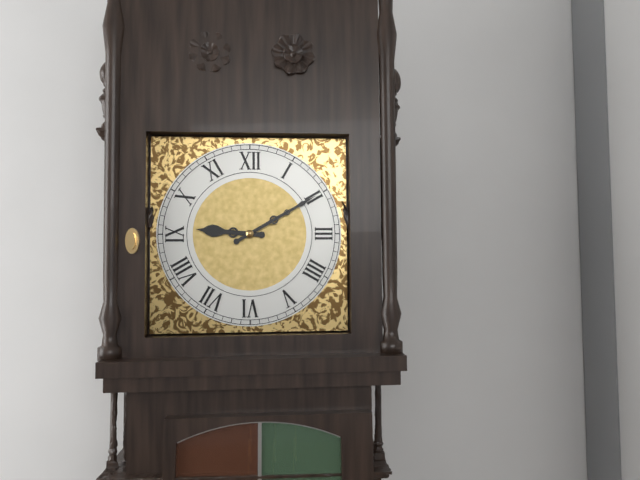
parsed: **9:10**
